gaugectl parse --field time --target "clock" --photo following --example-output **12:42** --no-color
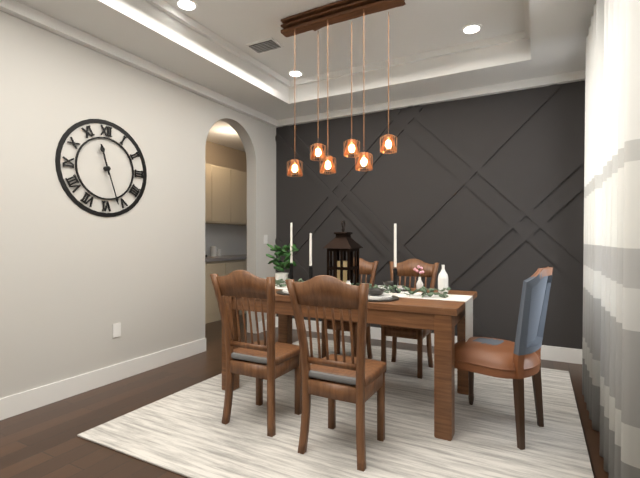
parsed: **11:27**
